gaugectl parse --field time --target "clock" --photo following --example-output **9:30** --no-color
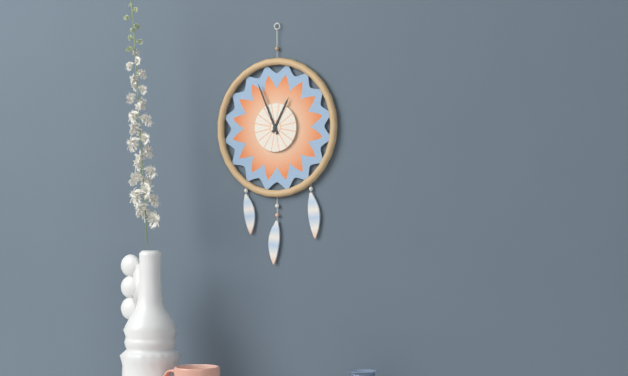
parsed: **12:56**
